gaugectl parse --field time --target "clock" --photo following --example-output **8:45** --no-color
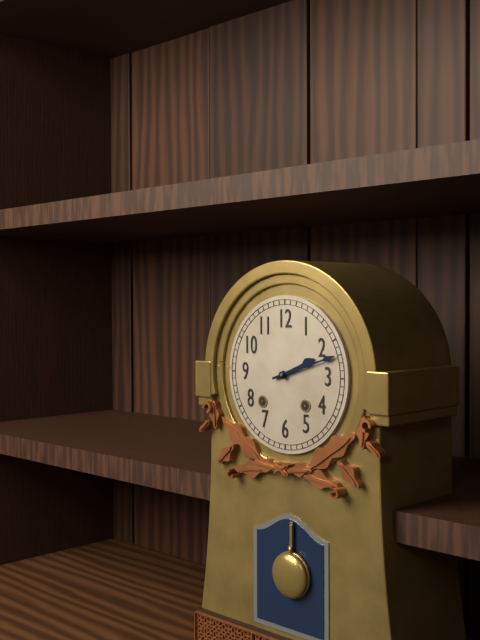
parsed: **2:12**
